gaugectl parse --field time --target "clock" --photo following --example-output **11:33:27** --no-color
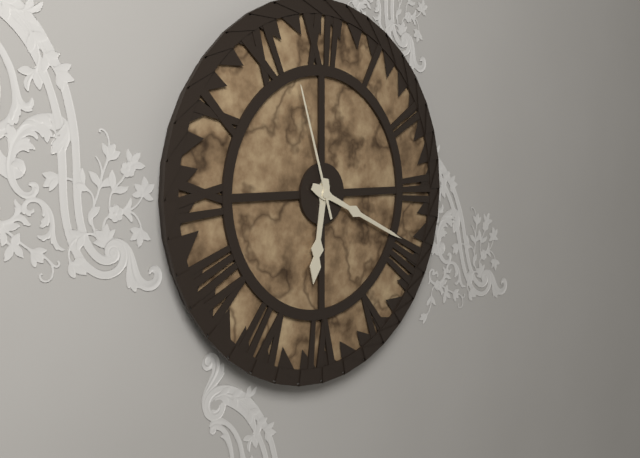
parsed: **6:19:57**
